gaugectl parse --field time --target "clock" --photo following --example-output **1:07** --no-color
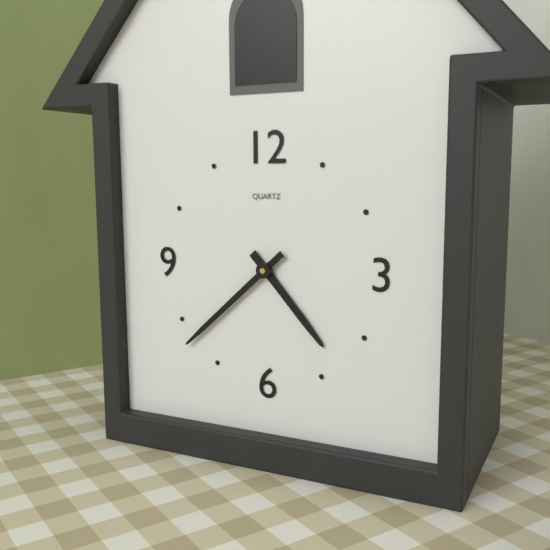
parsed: **4:38**
